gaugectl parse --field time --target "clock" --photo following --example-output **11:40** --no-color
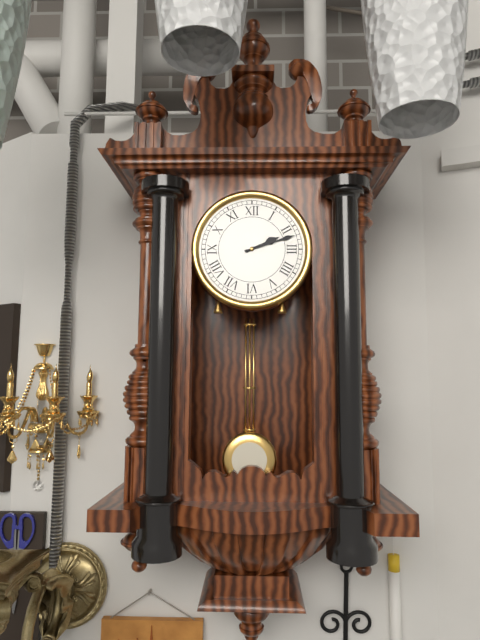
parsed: **2:12**
